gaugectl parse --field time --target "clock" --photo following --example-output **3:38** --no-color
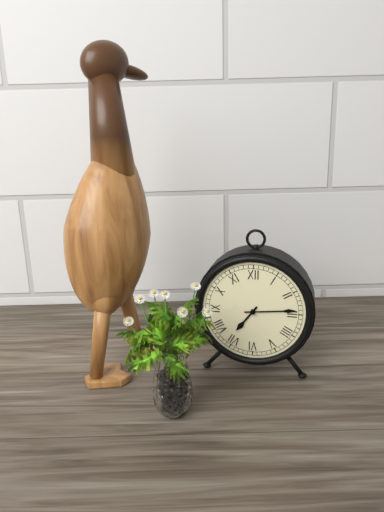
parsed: **7:14**
